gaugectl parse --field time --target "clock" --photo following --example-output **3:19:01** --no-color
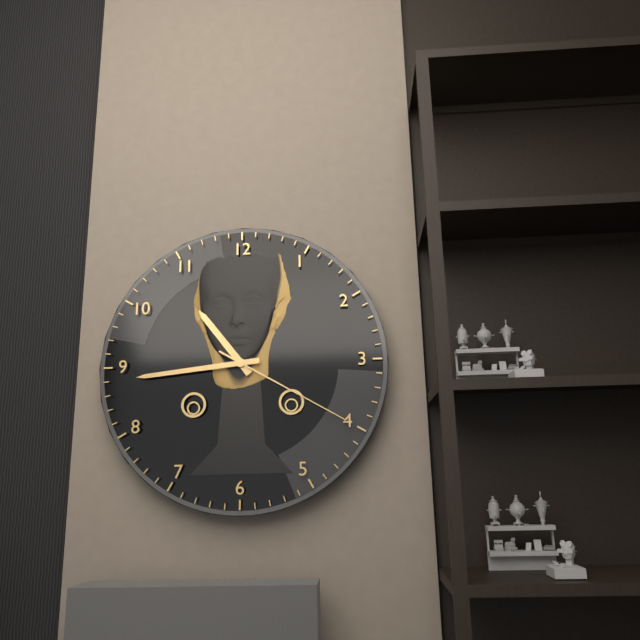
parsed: **10:44:20**
